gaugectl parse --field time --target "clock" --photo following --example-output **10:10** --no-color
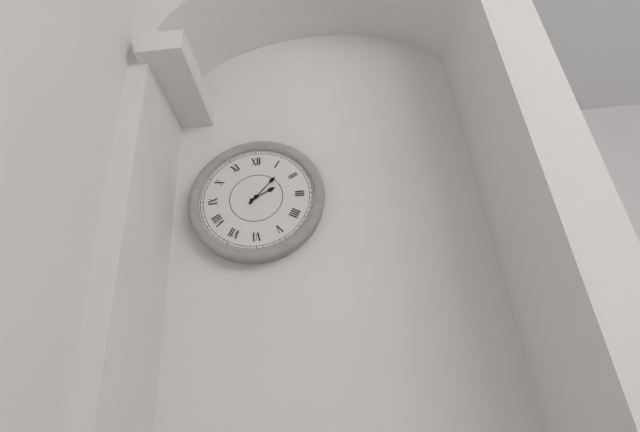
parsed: **2:07**
